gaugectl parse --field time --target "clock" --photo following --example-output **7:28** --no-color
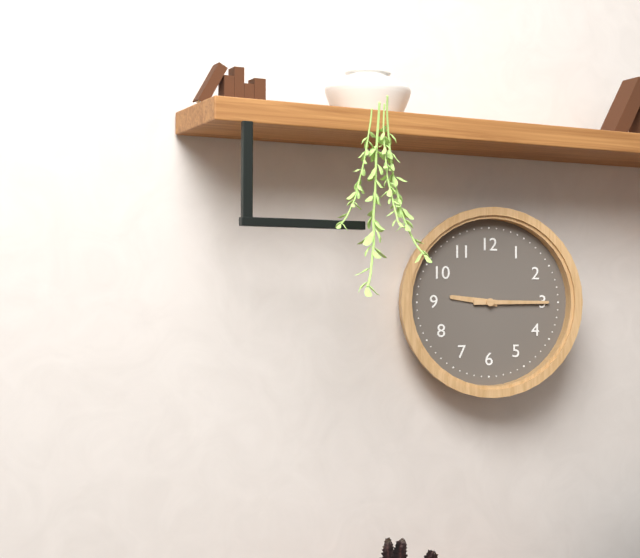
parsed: **9:15**
